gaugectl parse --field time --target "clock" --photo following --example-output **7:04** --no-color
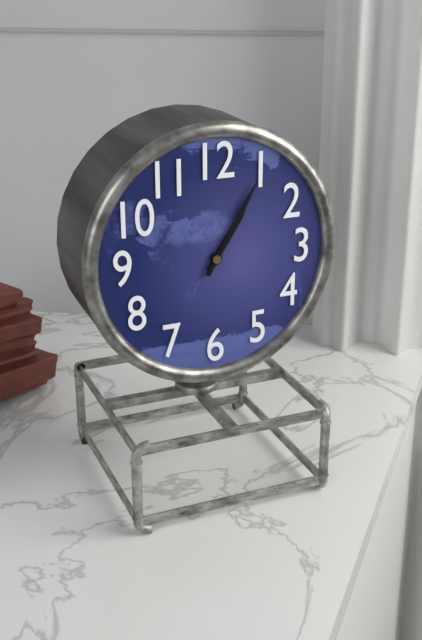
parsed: **1:05**
